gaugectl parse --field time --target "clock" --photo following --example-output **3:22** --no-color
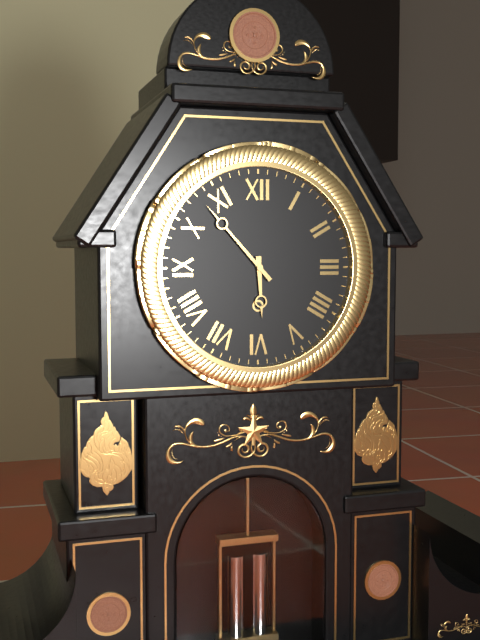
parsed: **5:53**
